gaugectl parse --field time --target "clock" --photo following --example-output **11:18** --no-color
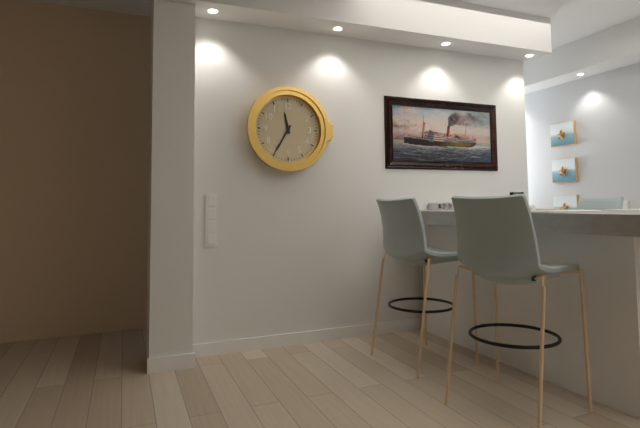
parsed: **11:35**
